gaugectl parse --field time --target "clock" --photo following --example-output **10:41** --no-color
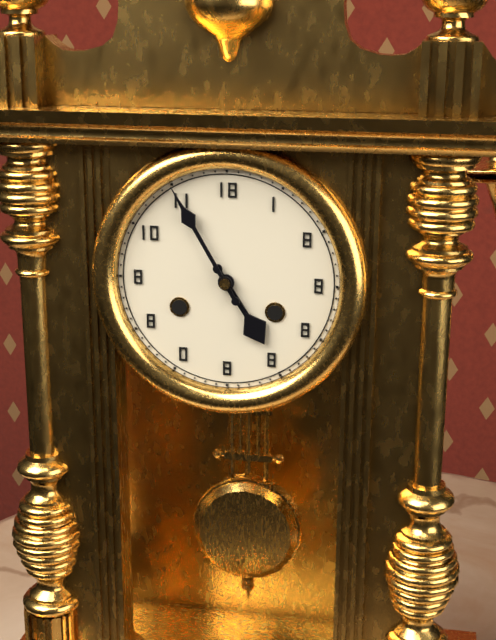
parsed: **4:55**
